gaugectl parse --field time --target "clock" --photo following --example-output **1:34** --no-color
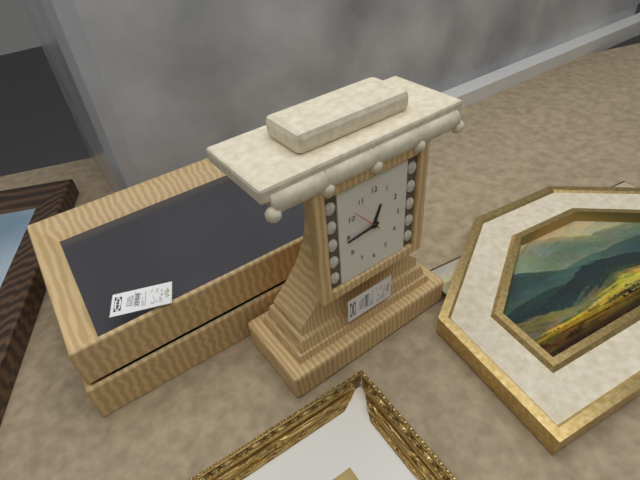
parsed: **12:44**
